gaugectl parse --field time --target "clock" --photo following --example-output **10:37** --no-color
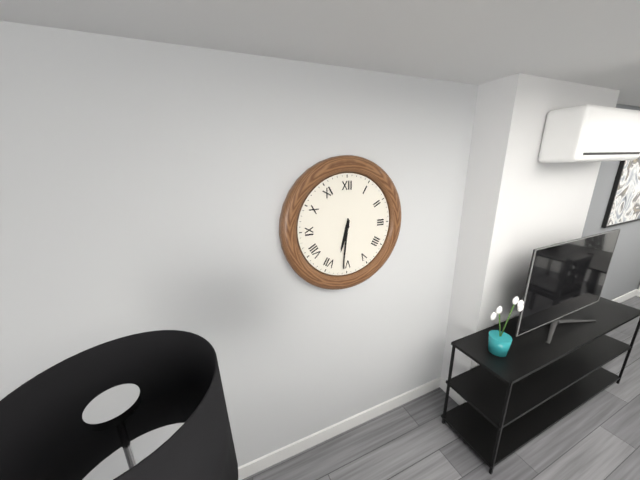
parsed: **6:31**
